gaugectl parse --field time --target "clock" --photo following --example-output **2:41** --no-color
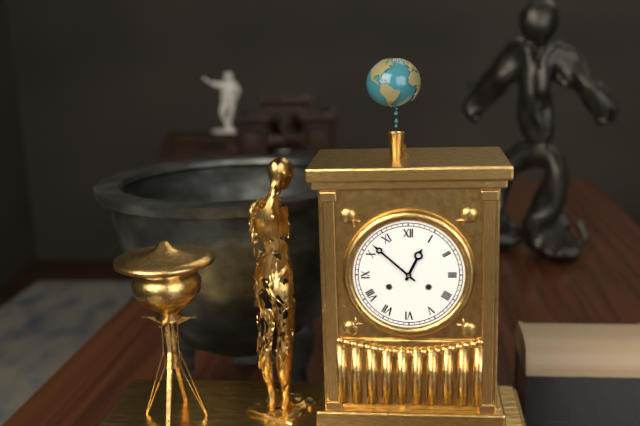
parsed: **12:52**
